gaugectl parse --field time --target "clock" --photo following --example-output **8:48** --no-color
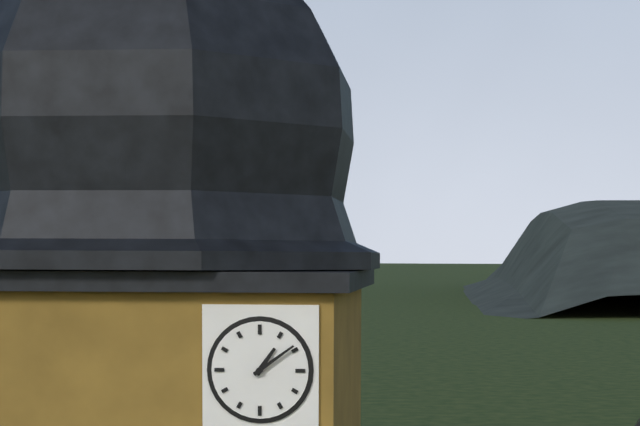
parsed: **1:09**
